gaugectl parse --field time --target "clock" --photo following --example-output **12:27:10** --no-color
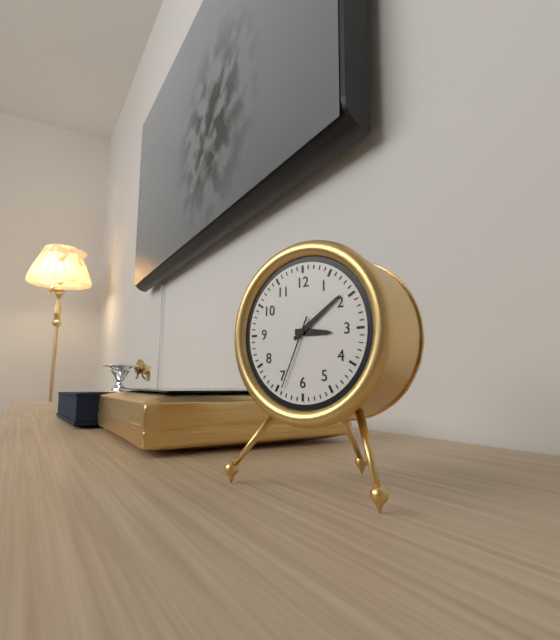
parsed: **3:09:34**
